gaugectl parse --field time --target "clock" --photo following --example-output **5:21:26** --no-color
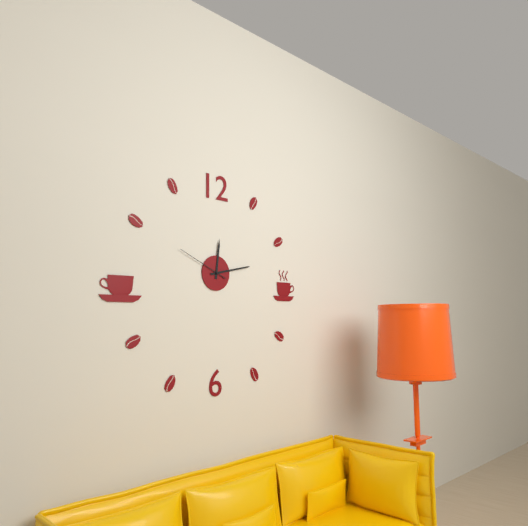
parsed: **12:13:49**
